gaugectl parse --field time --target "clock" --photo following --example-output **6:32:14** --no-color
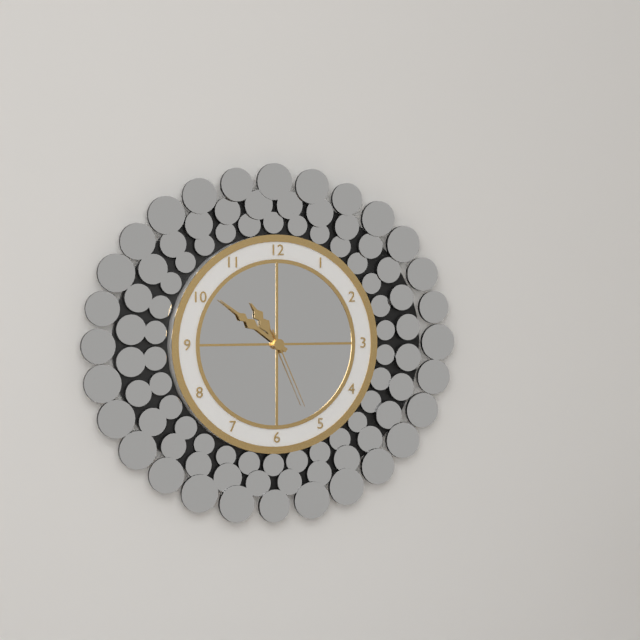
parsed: **10:51:26**
